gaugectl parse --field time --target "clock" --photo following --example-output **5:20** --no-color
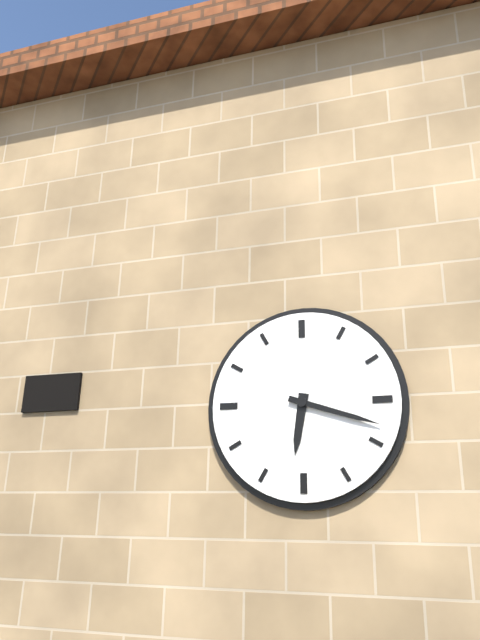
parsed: **6:18**
